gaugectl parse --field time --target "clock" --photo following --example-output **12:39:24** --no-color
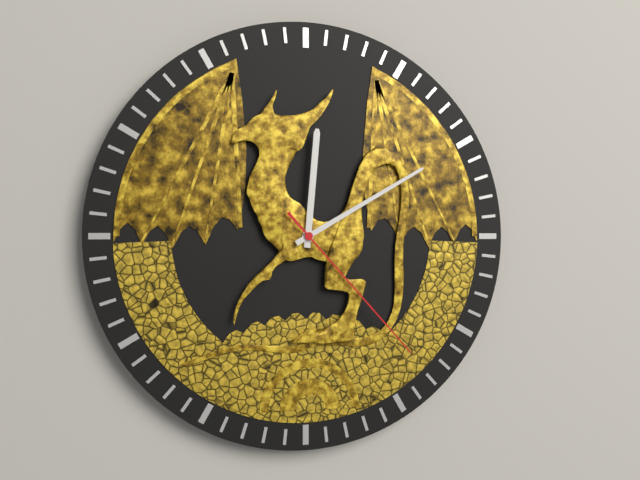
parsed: **12:10:23**
